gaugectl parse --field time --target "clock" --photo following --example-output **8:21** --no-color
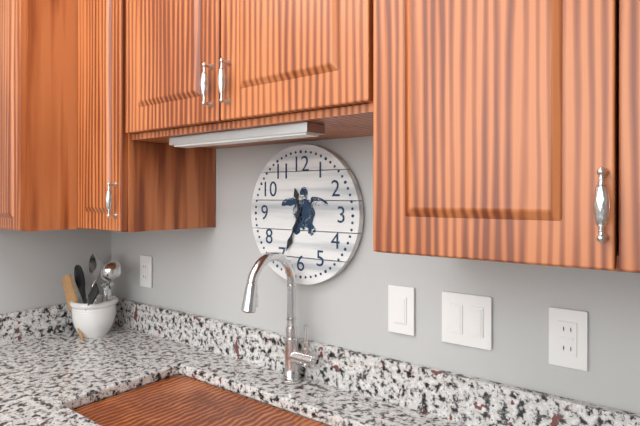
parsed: **11:34**
